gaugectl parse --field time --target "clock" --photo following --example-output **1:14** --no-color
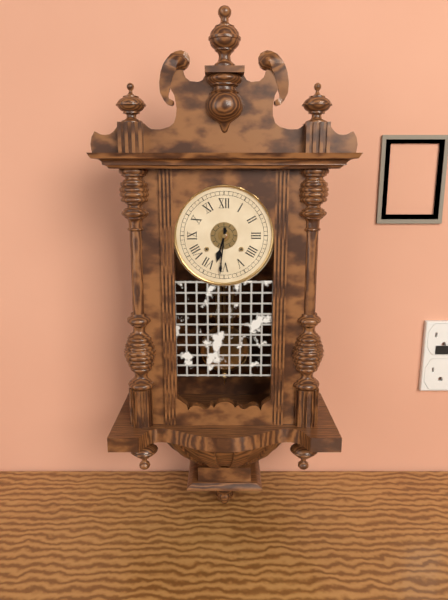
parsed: **6:31**
